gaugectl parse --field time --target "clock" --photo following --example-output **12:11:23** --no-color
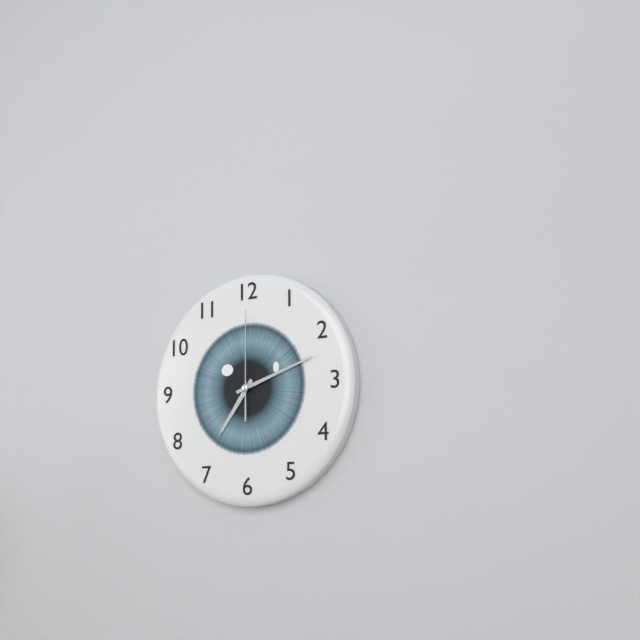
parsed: **7:12:00**
